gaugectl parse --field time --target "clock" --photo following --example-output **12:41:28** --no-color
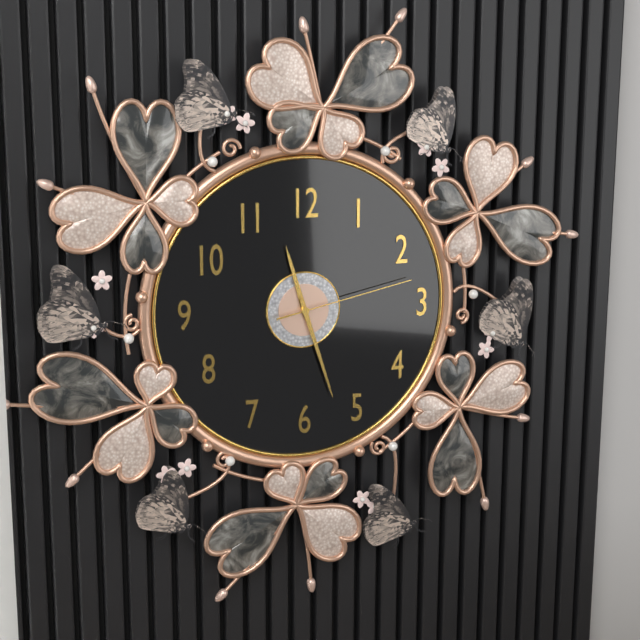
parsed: **11:27:13**
